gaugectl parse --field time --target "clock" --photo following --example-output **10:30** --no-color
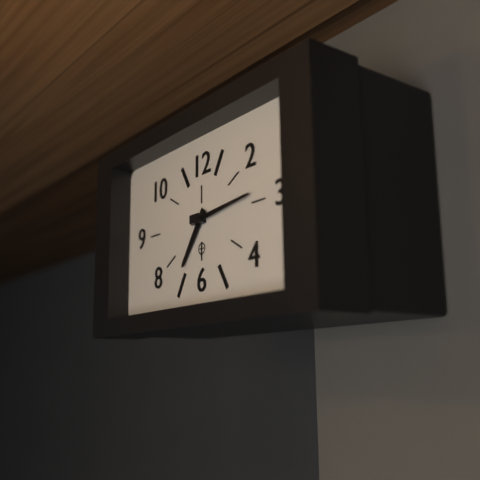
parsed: **7:14**
